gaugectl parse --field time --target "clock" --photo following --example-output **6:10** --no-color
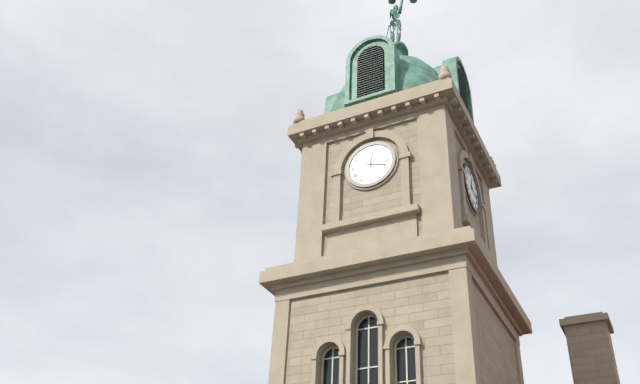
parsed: **12:18**
